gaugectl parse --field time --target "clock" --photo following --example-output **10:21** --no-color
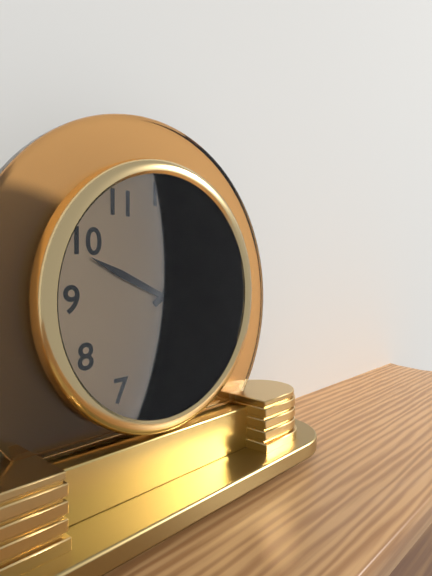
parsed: **1:49**
